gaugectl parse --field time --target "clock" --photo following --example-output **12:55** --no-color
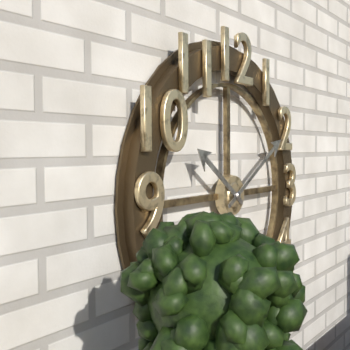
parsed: **10:10**
